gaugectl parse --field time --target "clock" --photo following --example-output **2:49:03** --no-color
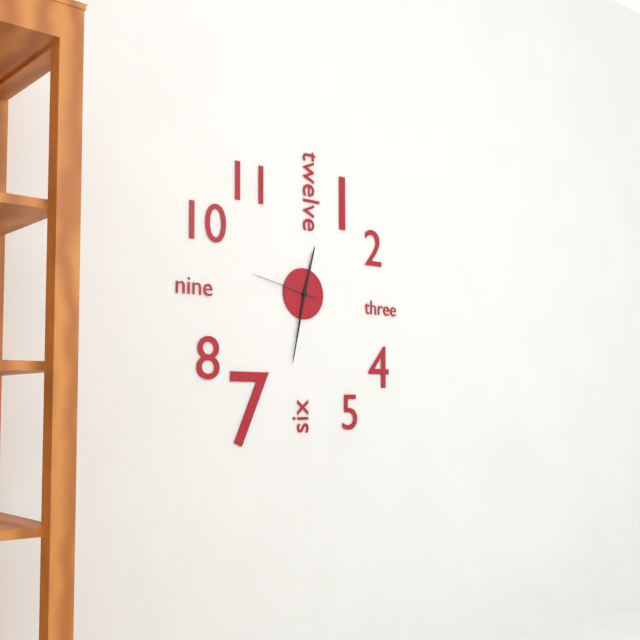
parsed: **12:32:47**
